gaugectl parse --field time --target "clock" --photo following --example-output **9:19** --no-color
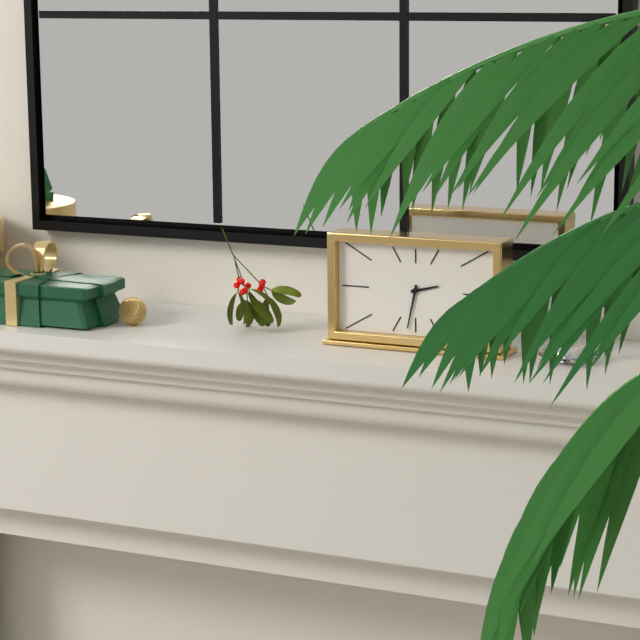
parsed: **2:32**
